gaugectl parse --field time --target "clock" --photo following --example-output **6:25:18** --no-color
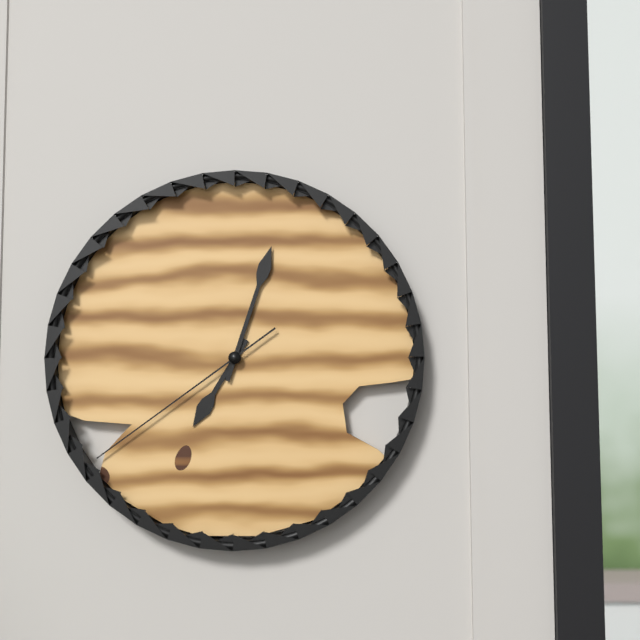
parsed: **7:03:39**
